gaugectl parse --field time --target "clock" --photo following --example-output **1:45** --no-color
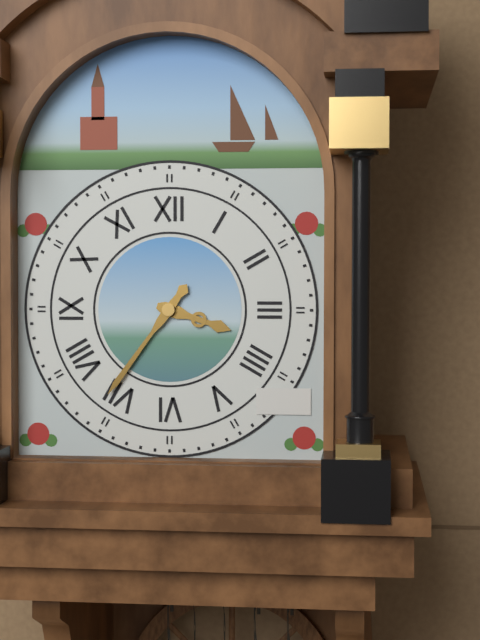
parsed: **3:36**
